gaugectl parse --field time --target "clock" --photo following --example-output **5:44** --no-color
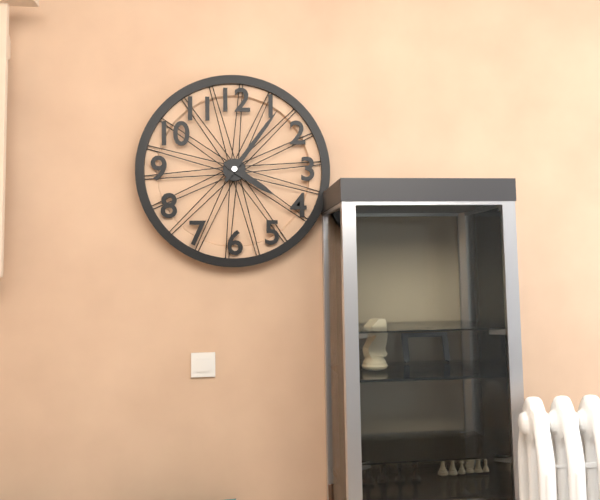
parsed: **4:06**
